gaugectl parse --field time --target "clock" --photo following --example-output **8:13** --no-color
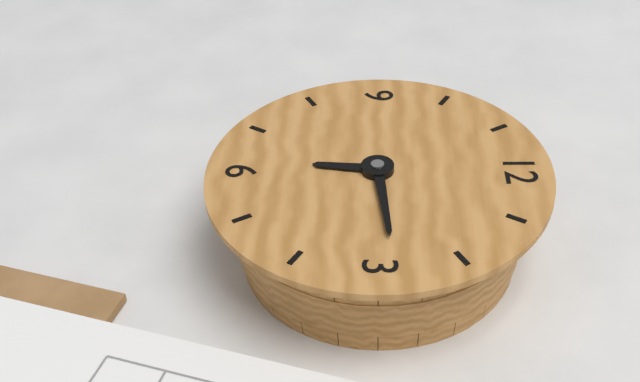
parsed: **6:14**
